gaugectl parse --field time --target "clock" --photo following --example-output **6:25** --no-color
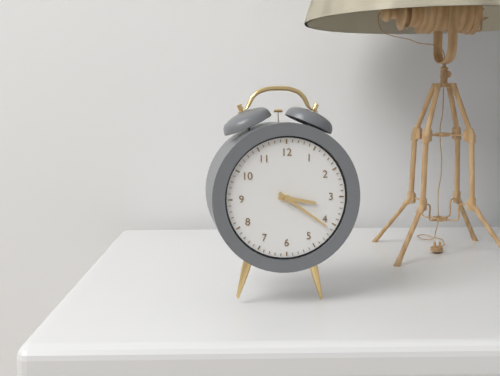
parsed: **3:21**
